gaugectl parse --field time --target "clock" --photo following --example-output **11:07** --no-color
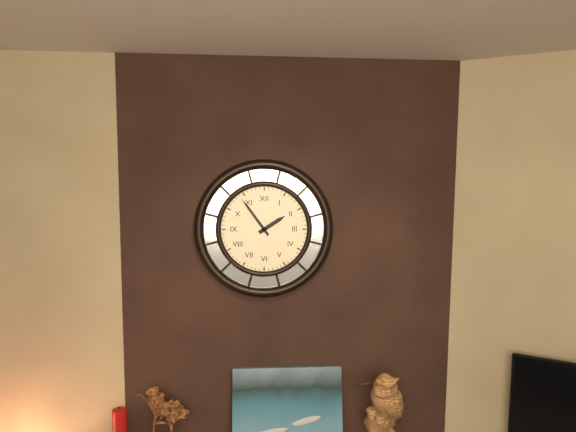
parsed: **1:54**
